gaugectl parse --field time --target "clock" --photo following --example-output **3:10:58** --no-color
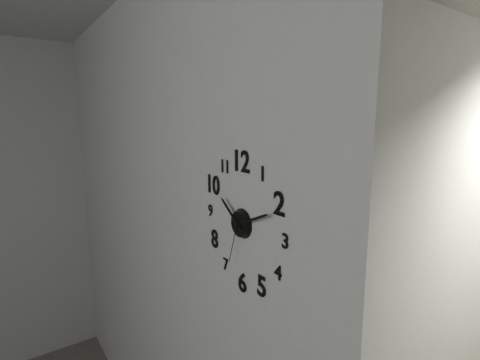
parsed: **10:11:33**
